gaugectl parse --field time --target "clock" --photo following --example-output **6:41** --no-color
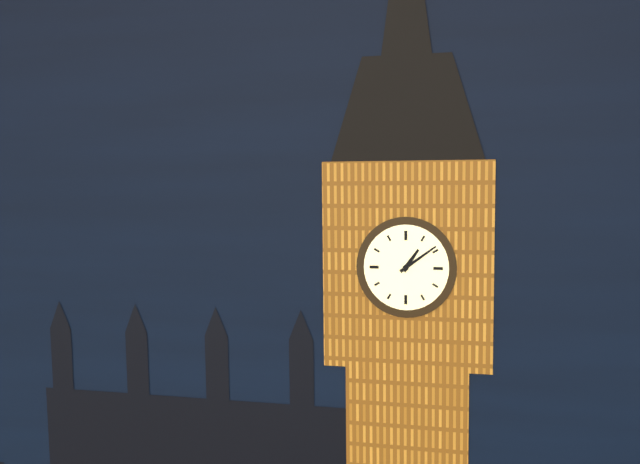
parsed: **1:09**
